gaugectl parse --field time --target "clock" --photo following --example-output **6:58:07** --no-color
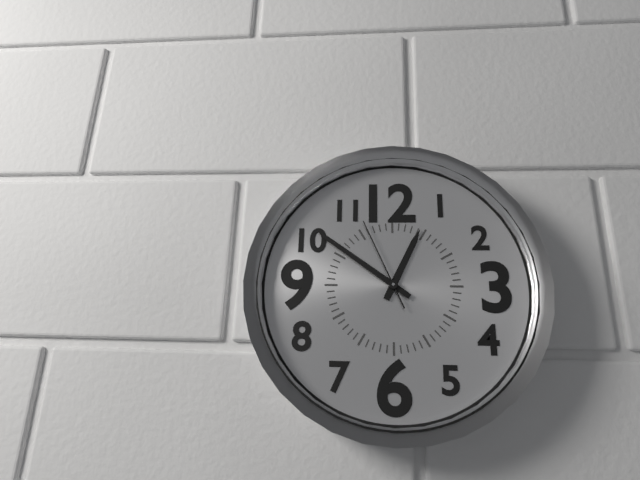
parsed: **12:51:56**
